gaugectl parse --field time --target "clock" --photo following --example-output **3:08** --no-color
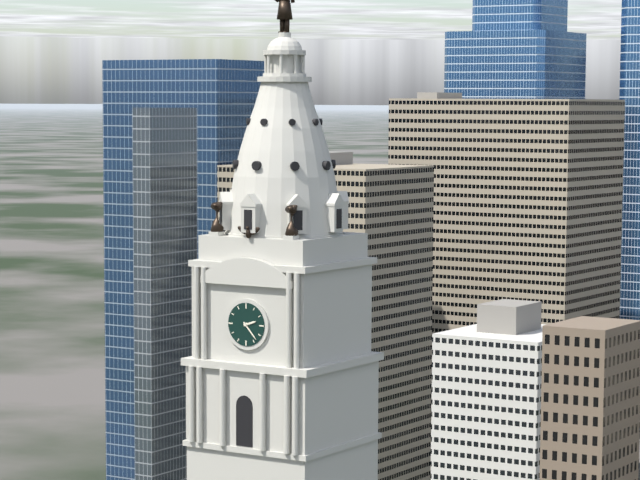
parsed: **2:23**
